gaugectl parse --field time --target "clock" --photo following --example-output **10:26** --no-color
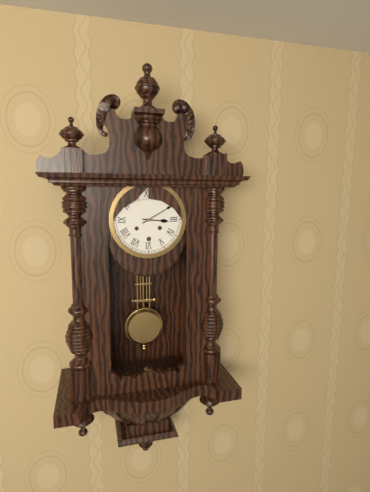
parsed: **3:10**
